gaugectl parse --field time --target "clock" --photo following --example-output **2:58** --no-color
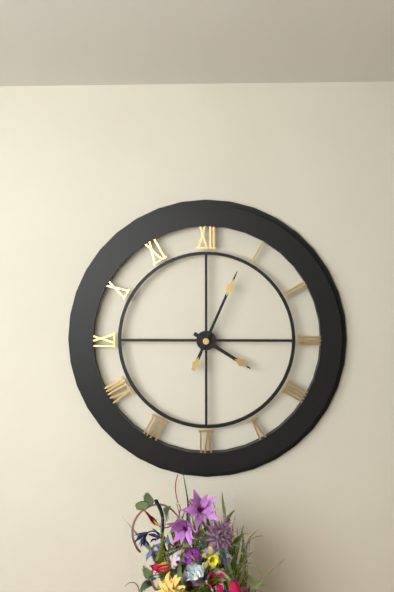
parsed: **4:04**
